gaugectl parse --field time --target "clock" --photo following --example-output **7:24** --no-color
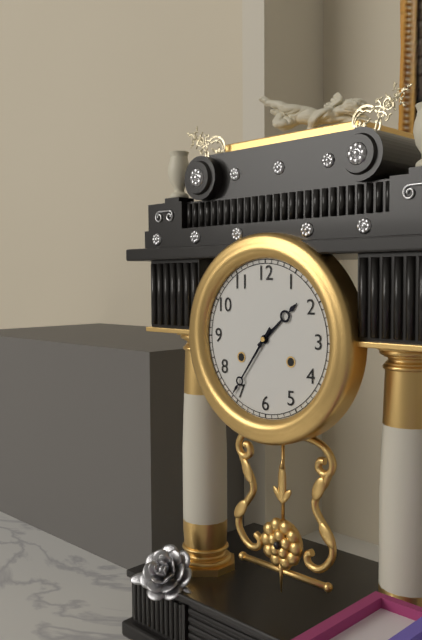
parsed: **1:36**
